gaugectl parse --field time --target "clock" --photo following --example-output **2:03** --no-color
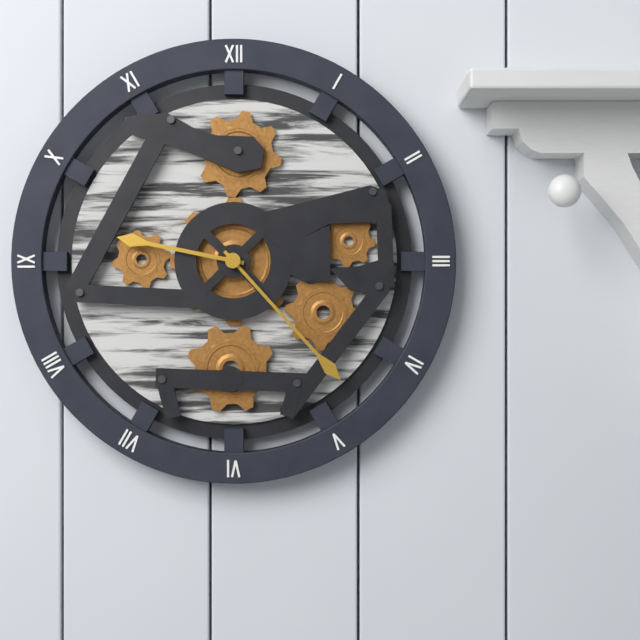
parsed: **9:23**
